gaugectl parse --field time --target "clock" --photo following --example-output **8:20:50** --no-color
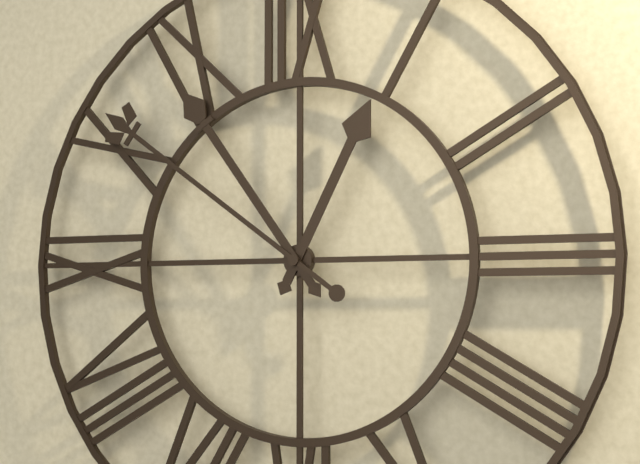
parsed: **12:54:51**
